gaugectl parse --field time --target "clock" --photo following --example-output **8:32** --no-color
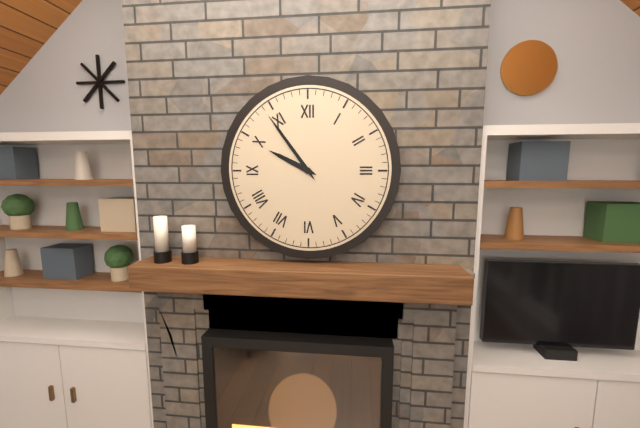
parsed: **9:54**
